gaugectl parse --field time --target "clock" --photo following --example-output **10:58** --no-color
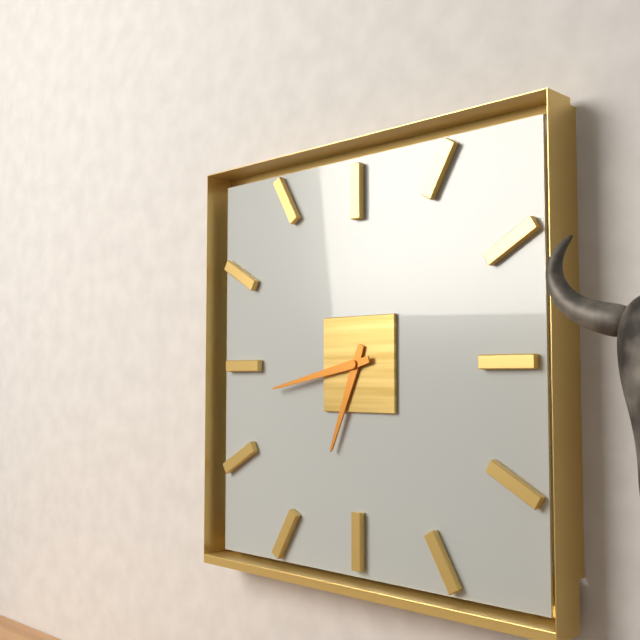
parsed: **6:43**
